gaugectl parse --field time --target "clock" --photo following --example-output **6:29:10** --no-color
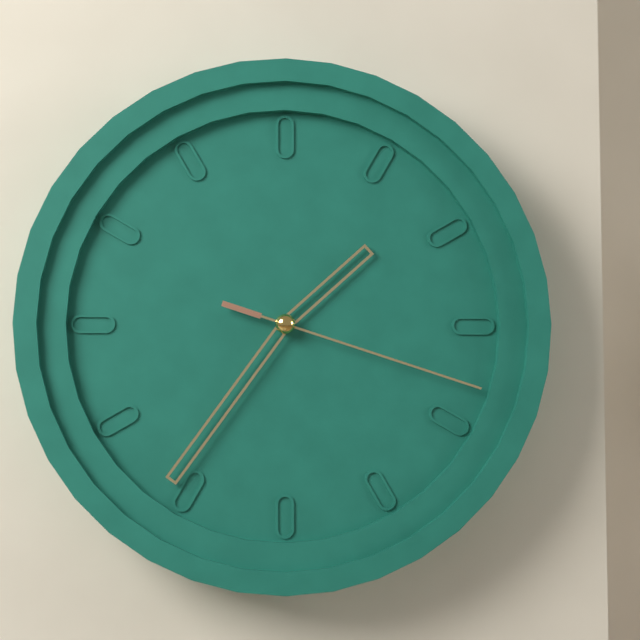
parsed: **1:36:18**
